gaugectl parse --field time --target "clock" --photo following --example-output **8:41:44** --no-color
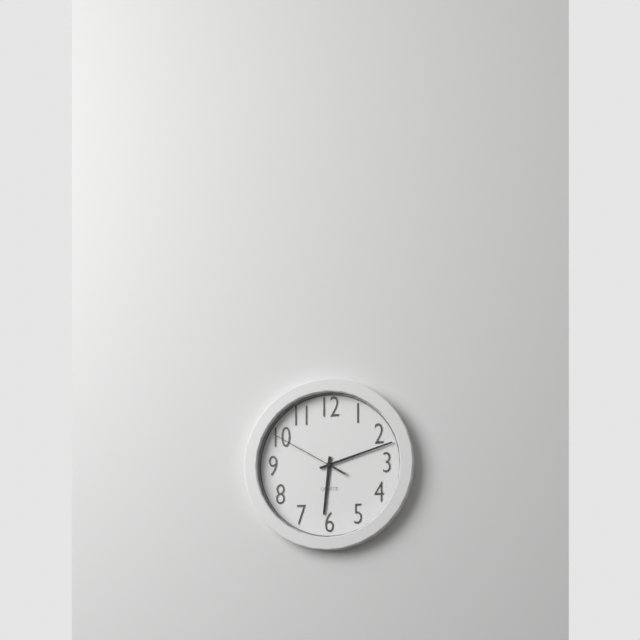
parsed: **6:12:50**
